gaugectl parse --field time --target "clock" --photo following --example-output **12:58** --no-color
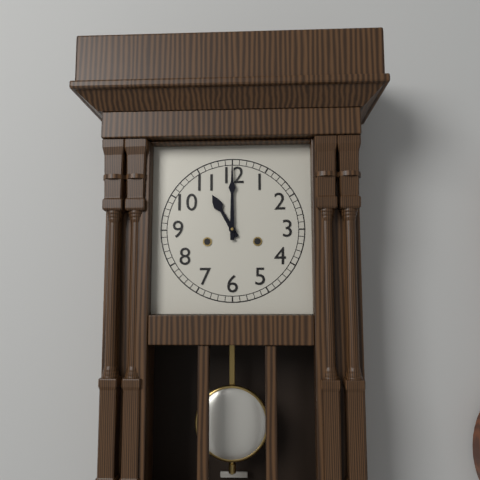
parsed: **11:00**
